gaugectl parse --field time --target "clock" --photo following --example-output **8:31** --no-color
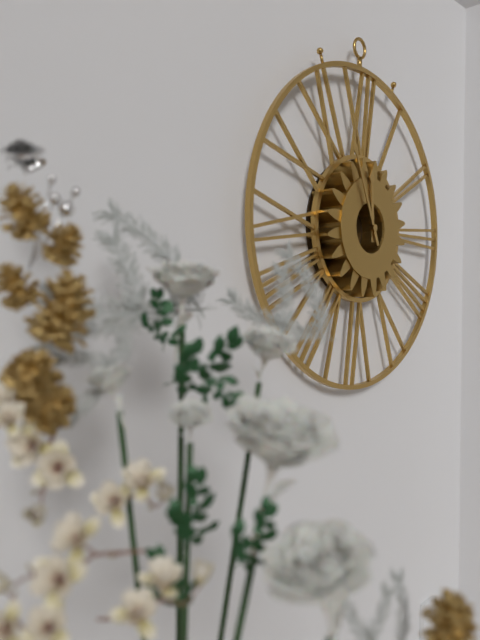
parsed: **11:56**
